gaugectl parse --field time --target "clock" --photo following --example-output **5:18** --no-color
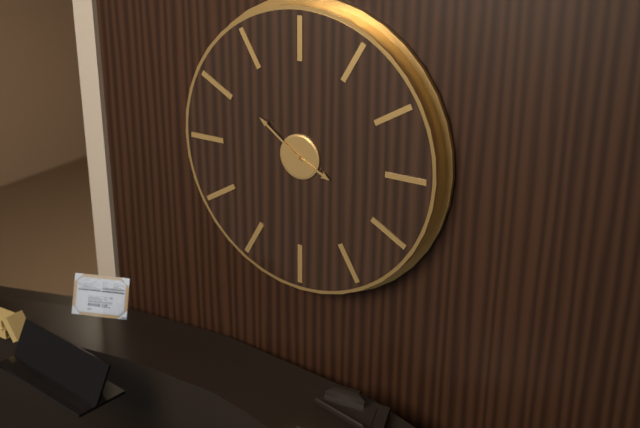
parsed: **3:51**
